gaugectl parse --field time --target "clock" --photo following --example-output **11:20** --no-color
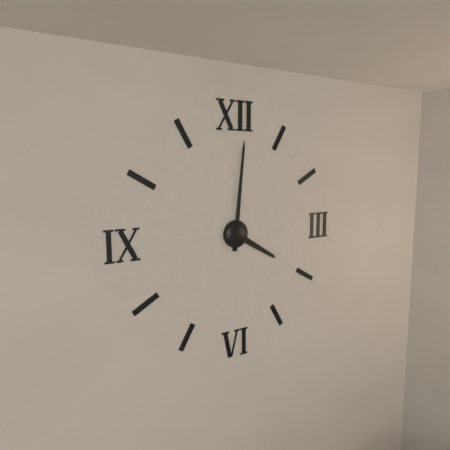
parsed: **4:01**
